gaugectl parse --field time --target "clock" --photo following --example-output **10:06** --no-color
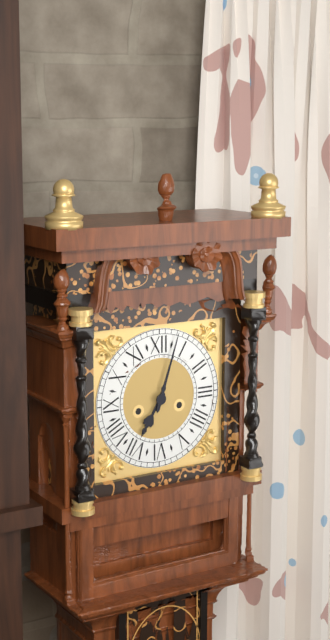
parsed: **7:03**
